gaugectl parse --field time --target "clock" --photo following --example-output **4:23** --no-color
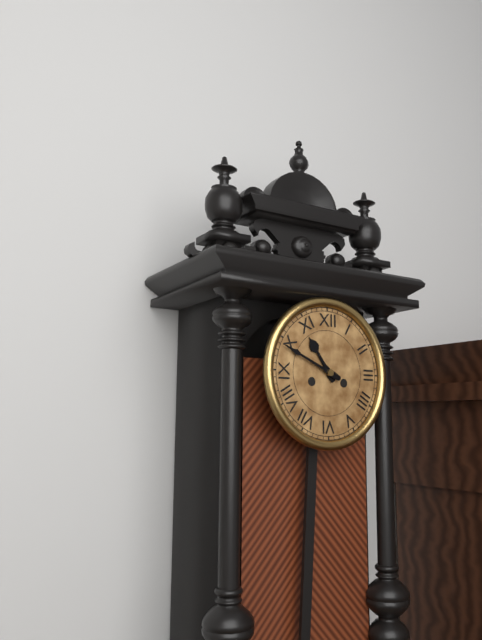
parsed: **10:49**
